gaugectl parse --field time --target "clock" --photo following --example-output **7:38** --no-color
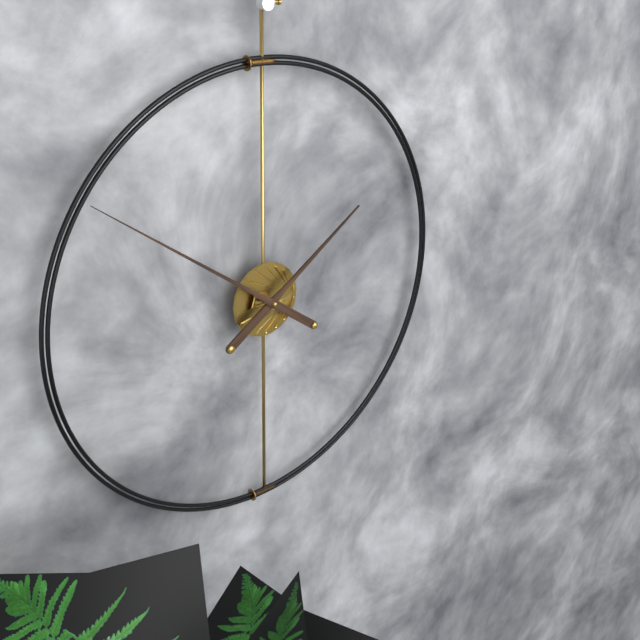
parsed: **1:51**
